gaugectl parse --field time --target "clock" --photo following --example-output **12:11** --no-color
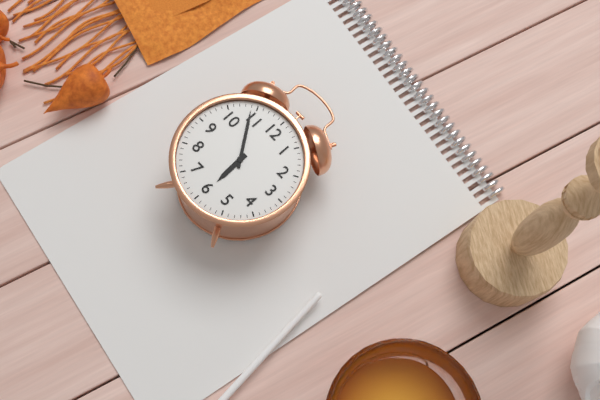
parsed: **5:54**
